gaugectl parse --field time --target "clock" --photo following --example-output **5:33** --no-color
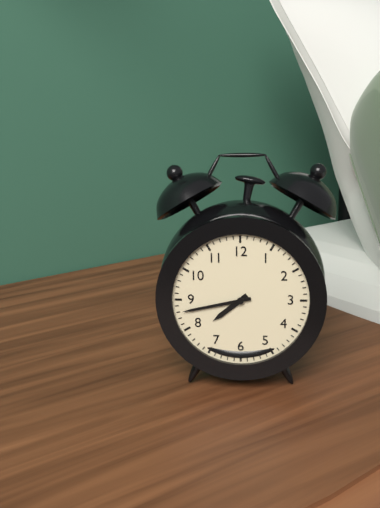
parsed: **7:43**
